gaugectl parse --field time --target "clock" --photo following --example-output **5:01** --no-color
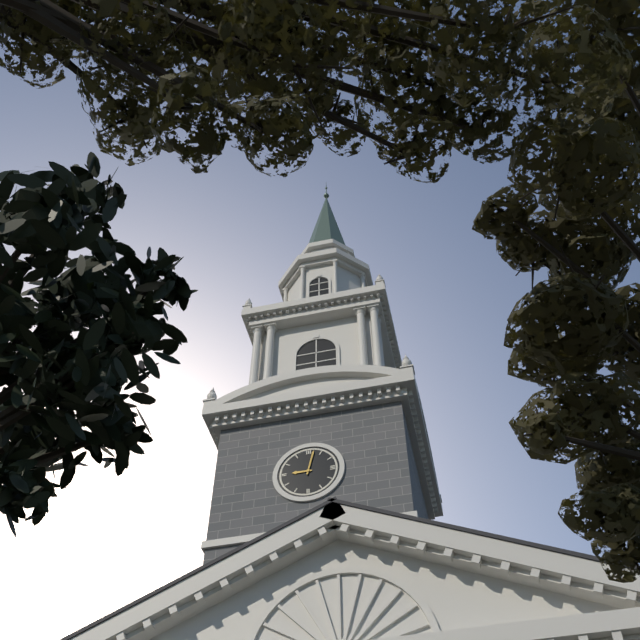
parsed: **9:02**
